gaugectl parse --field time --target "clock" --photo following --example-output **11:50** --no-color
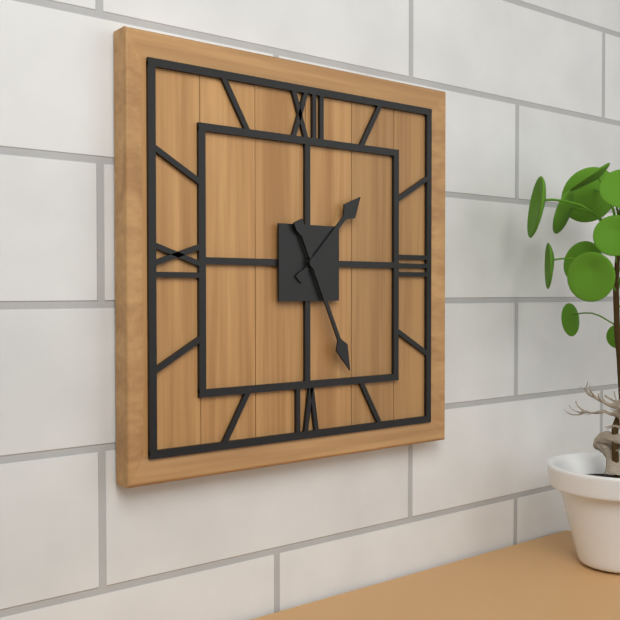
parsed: **1:26**
